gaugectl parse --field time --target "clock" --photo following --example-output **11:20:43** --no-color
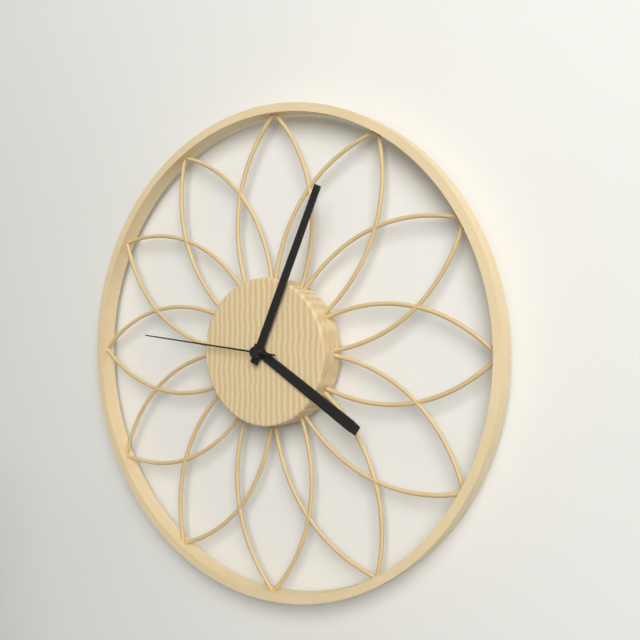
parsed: **4:04:46**
